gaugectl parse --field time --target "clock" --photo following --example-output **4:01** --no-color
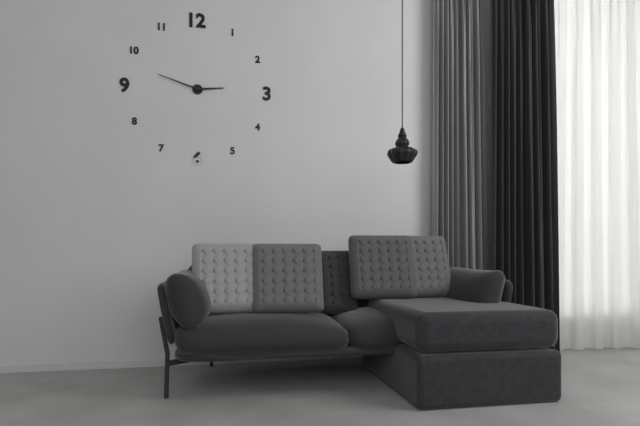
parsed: **2:48**
